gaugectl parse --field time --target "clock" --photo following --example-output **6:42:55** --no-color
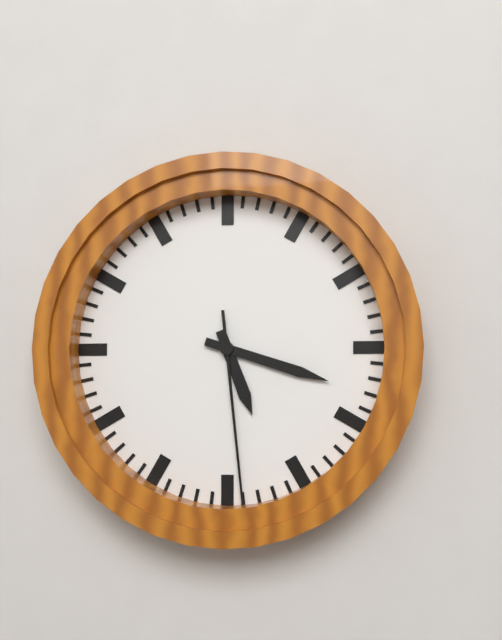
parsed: **5:18:29**
